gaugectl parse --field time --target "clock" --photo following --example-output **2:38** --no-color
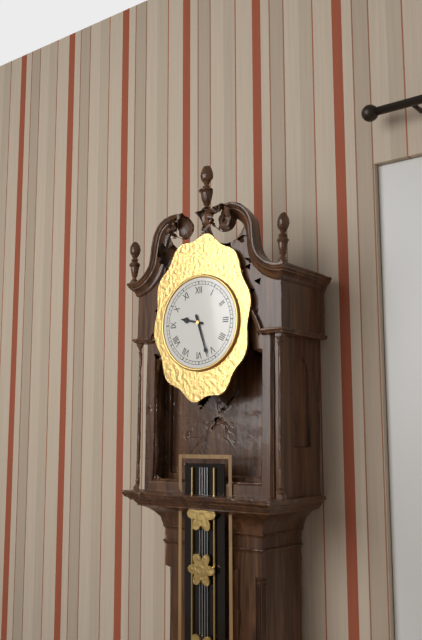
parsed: **9:27**
